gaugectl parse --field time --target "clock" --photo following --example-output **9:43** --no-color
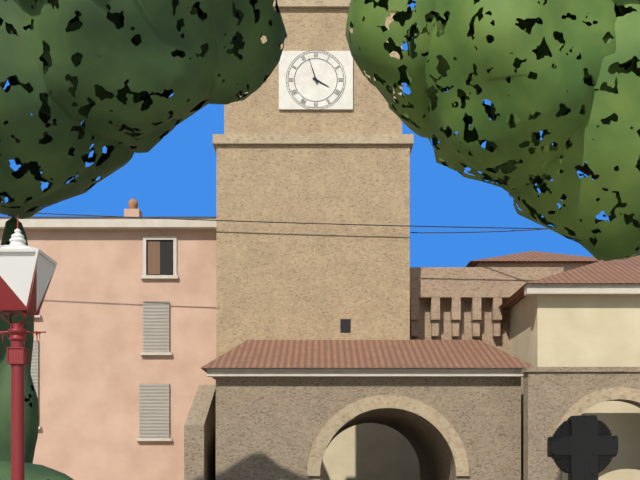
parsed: **3:57**
